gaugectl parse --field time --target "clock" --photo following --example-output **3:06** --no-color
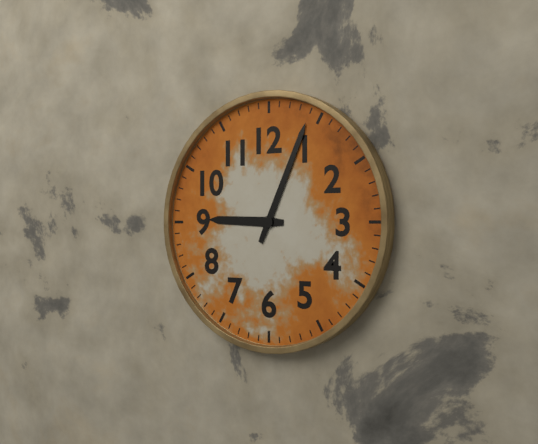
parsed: **9:04**
